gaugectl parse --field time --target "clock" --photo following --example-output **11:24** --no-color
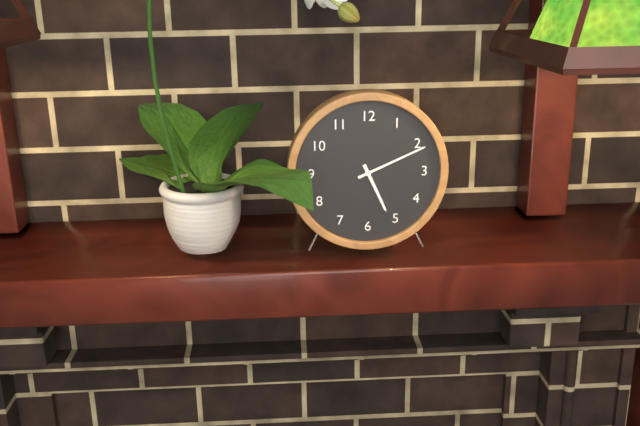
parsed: **5:11**
